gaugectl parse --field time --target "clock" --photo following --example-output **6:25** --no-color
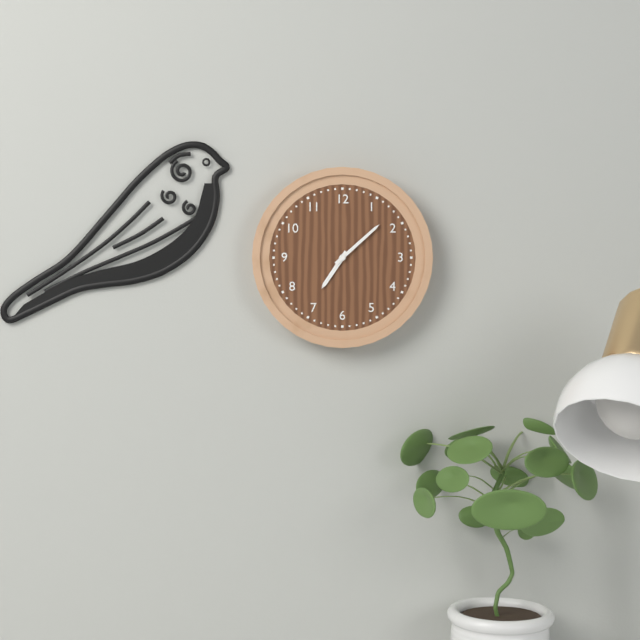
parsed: **7:08**
